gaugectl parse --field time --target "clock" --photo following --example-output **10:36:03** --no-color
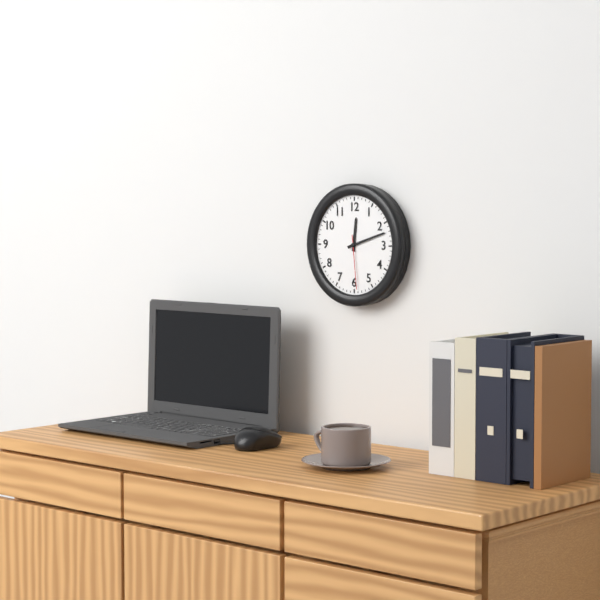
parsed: **12:12:29**
